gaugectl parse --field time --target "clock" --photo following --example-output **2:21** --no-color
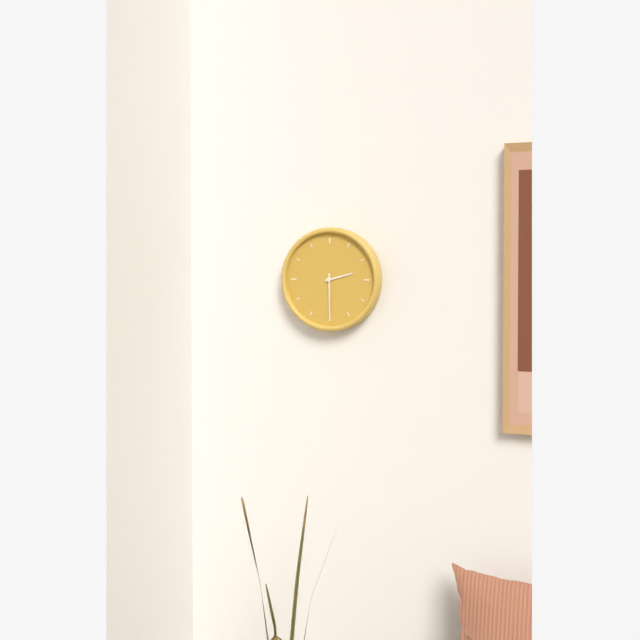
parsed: **2:30**
